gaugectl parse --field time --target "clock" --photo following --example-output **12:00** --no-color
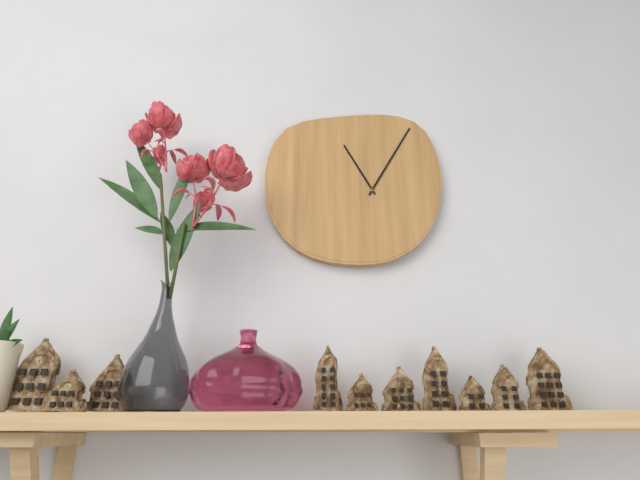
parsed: **11:05**
